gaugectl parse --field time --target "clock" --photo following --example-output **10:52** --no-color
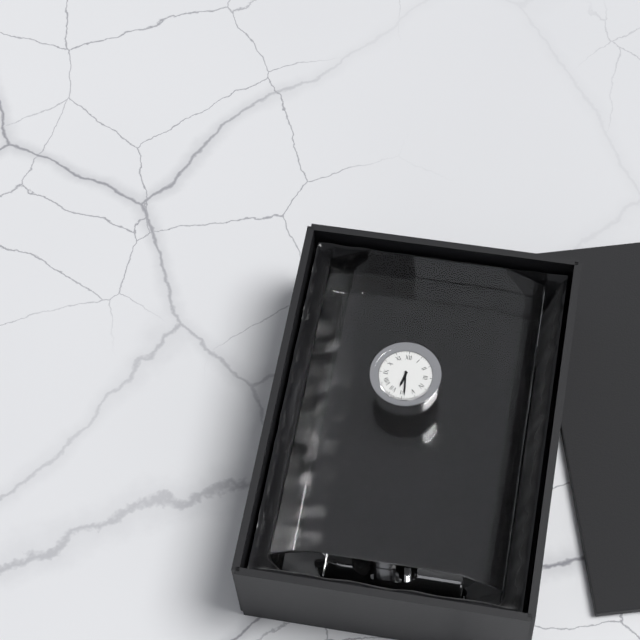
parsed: **6:29**
